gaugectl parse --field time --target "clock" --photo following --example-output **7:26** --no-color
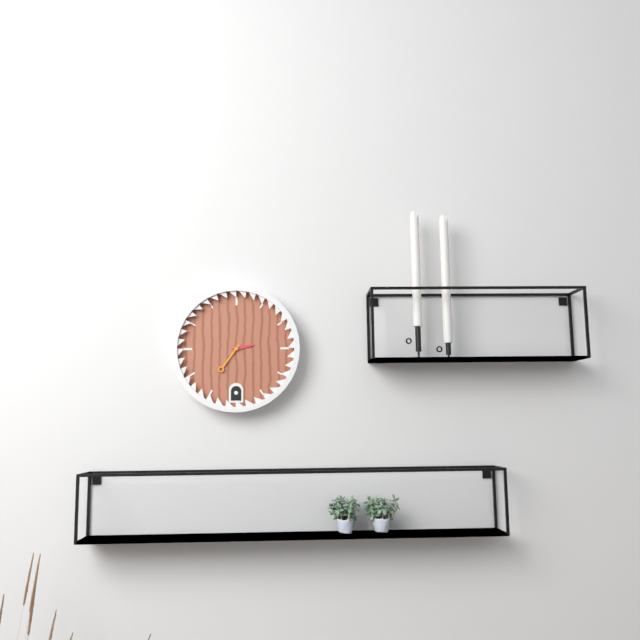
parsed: **2:36**
